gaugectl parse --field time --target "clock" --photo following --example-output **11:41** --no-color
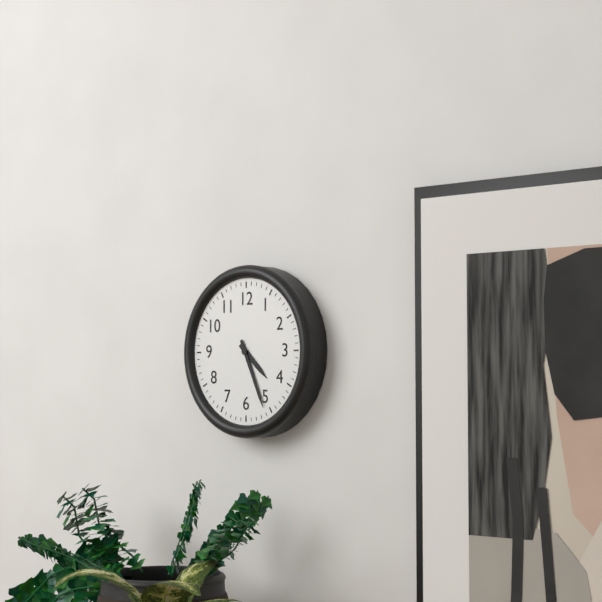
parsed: **4:26**
